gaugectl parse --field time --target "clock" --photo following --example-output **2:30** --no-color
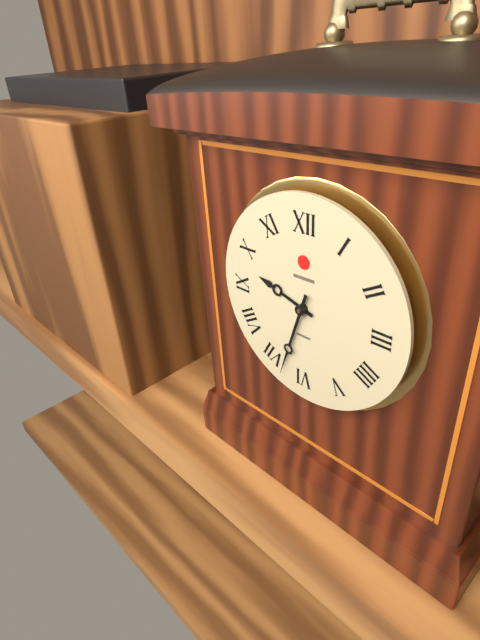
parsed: **9:33**
